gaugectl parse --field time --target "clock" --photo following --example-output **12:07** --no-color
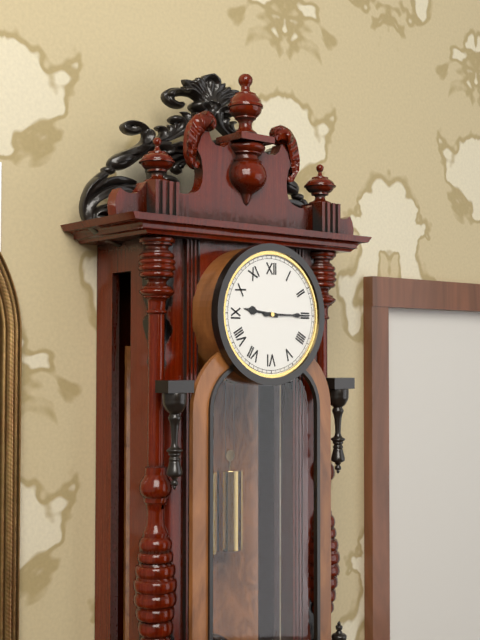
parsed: **9:15**
